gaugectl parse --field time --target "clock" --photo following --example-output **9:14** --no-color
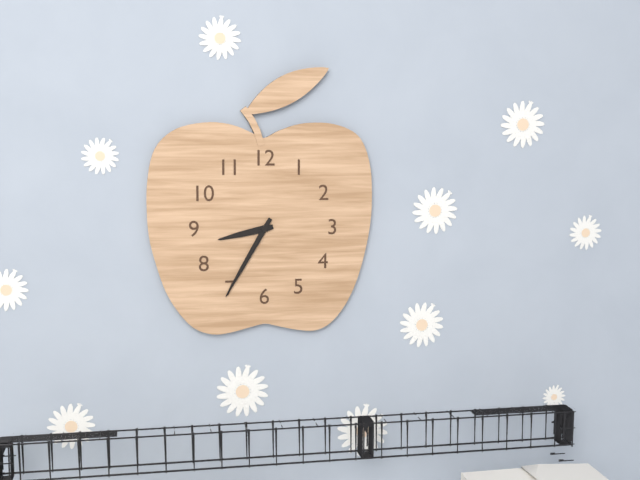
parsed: **8:35**
